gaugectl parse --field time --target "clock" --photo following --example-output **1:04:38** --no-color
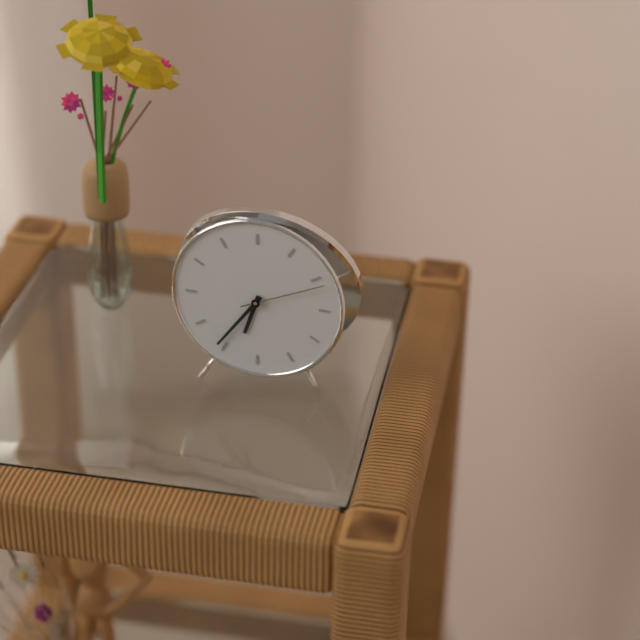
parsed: **6:36:11**
